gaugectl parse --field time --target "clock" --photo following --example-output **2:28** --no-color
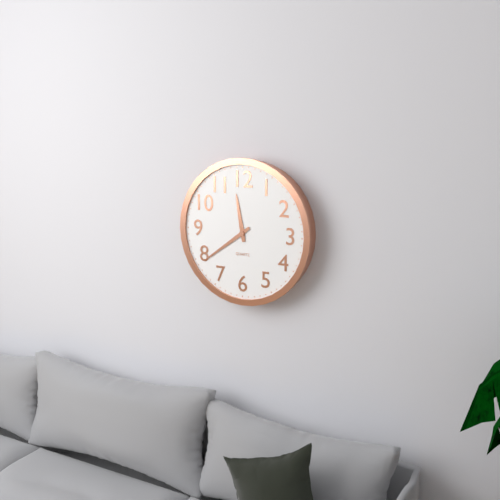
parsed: **11:39**
